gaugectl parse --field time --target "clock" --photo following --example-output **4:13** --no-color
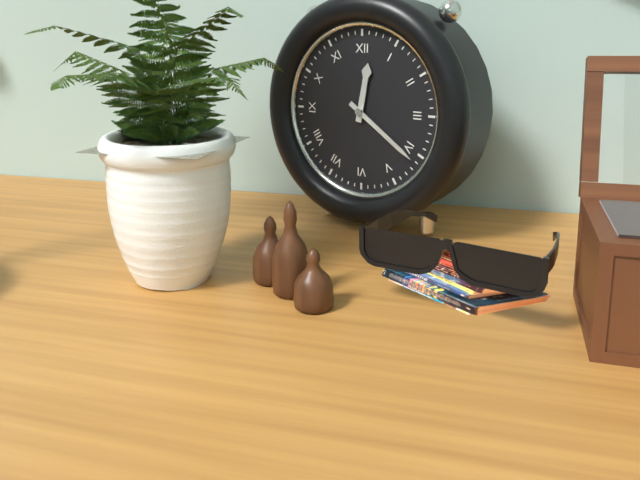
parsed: **12:21**
